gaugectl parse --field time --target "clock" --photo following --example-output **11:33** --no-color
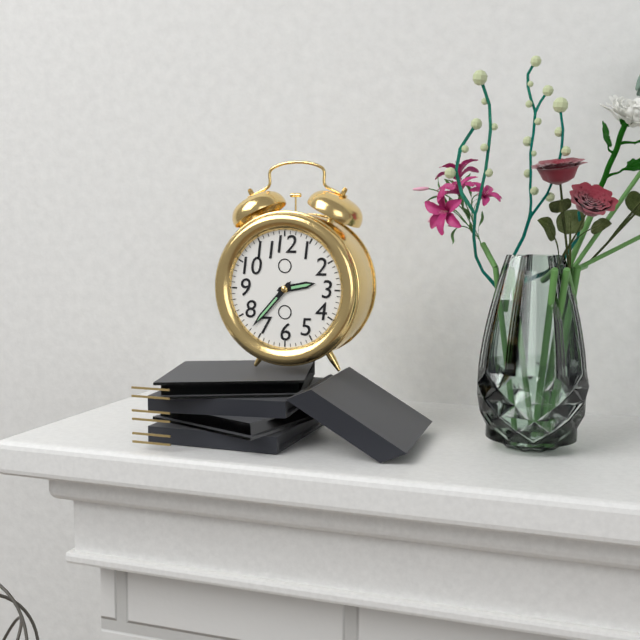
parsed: **2:37**
